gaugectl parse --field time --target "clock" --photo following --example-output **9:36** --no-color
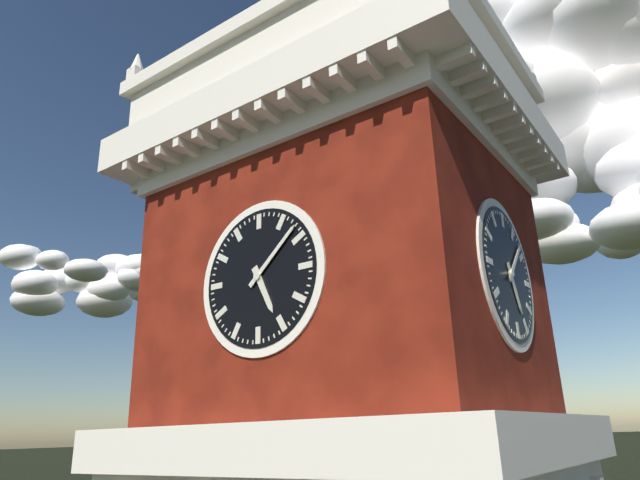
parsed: **5:08**
